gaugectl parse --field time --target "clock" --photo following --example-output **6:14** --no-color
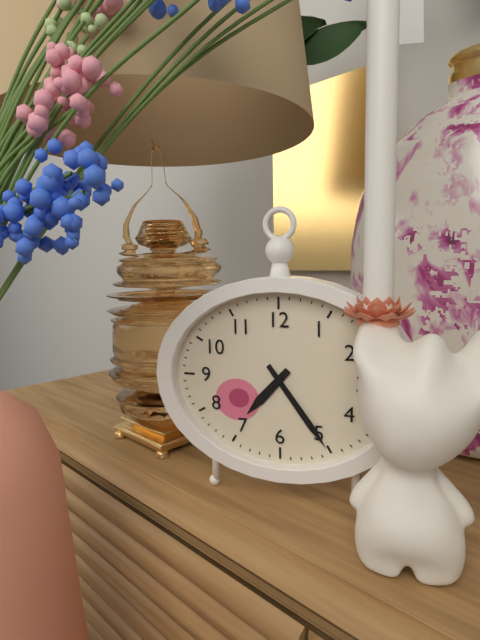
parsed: **7:24**
